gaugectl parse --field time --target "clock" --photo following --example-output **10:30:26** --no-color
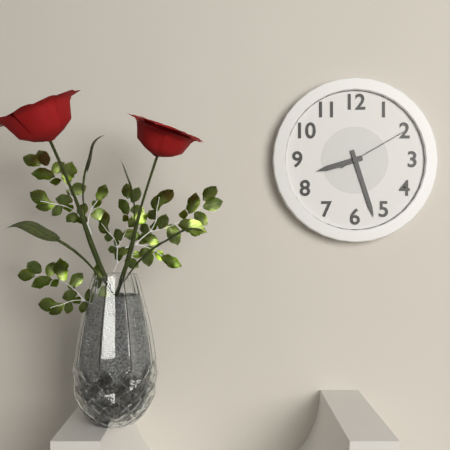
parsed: **8:27:10**
